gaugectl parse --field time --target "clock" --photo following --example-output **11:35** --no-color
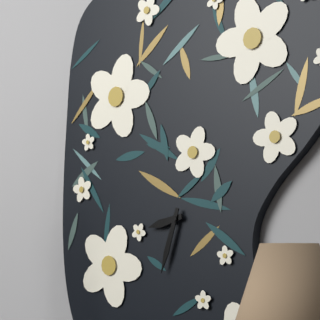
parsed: **8:33**
